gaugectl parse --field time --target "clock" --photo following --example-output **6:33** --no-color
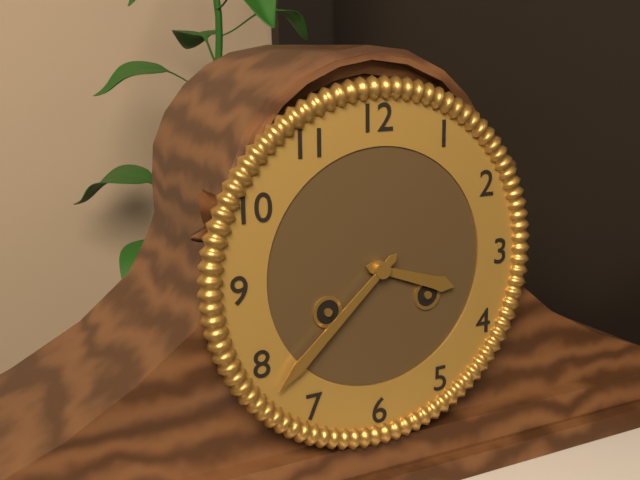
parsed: **3:38**
